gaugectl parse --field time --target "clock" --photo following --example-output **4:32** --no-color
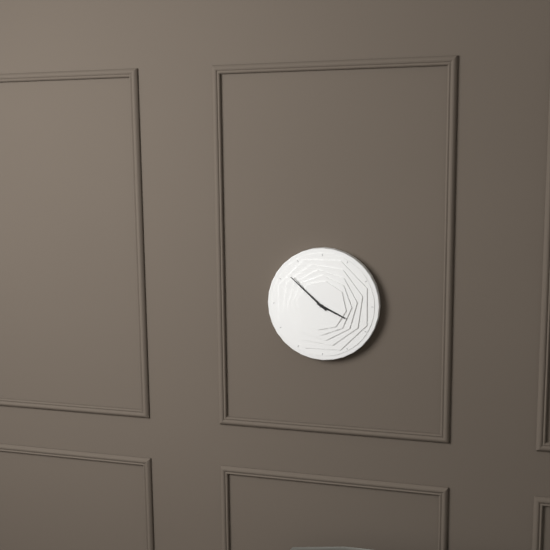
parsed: **3:52**
